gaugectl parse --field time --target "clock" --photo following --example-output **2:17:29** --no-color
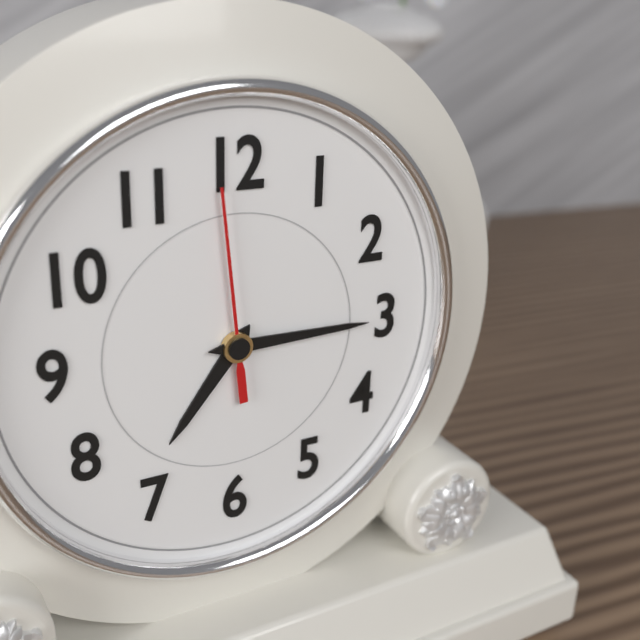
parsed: **7:15:59**
